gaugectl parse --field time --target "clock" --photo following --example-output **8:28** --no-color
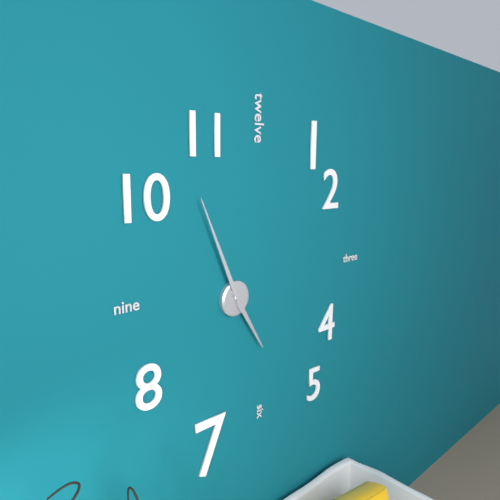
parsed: **4:56**
